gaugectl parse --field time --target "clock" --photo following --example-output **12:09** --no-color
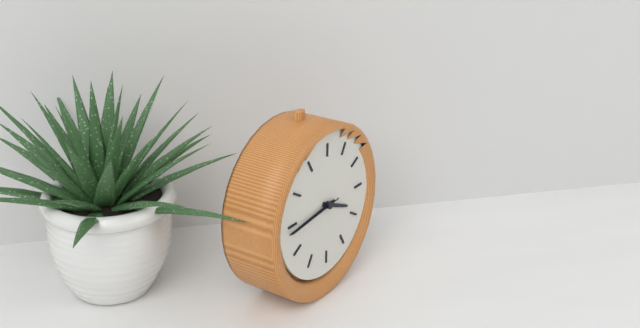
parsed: **3:44**
